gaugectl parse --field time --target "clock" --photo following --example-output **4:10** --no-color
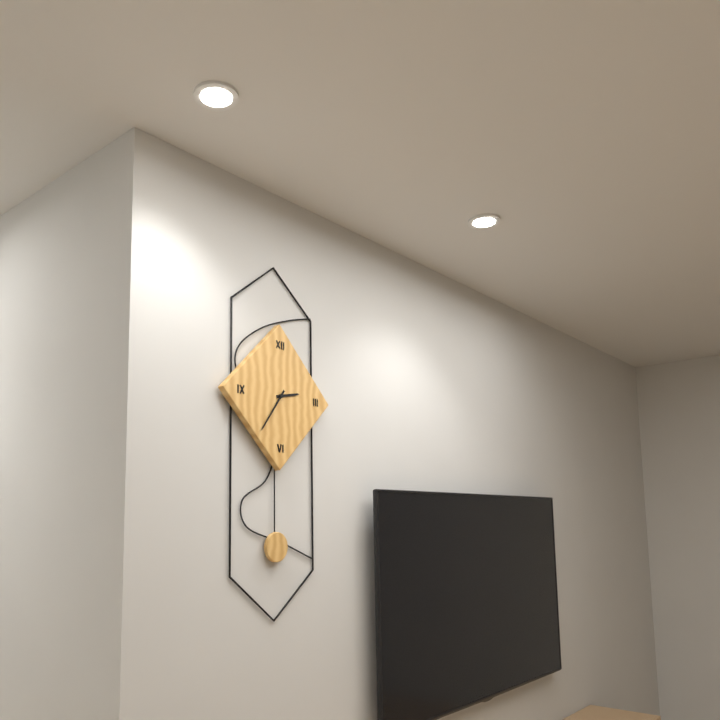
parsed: **2:36**
